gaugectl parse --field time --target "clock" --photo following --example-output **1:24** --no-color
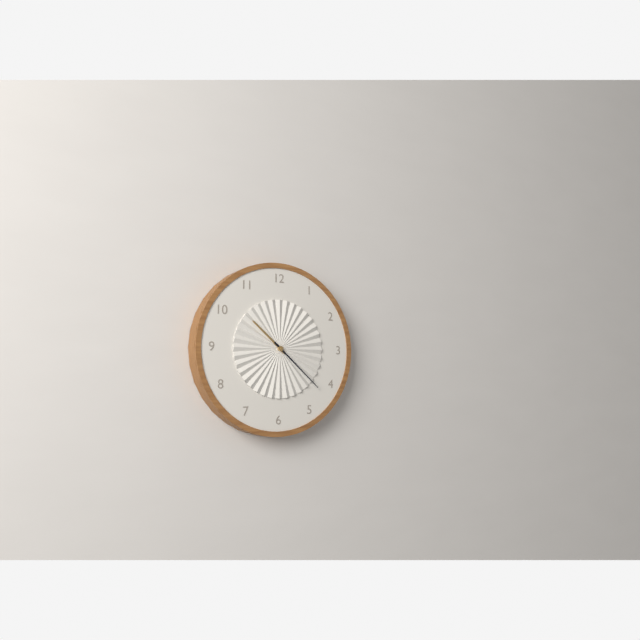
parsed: **10:22**
